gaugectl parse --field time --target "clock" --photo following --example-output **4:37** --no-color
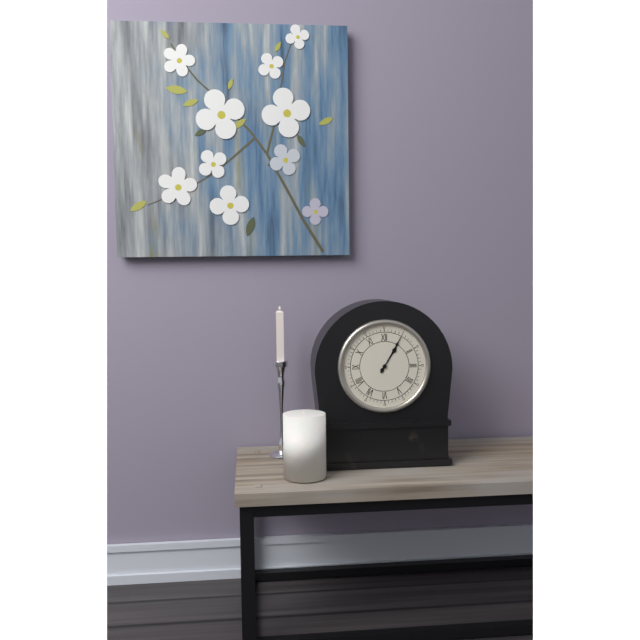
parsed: **1:05**
